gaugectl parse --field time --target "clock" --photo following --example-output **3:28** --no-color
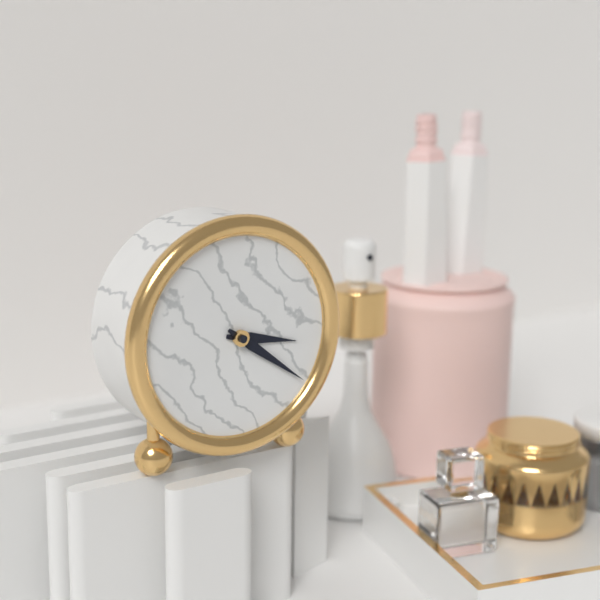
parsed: **3:21**
